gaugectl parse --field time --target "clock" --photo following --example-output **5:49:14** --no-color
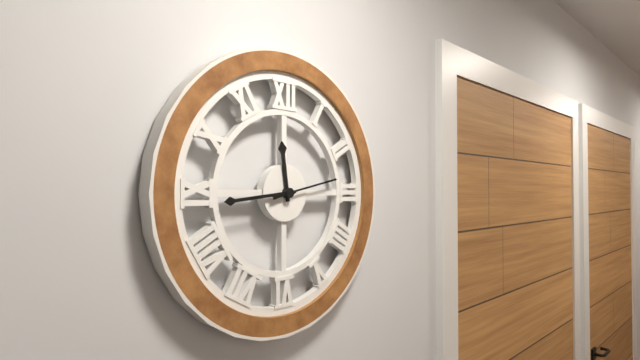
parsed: **11:44:13**
